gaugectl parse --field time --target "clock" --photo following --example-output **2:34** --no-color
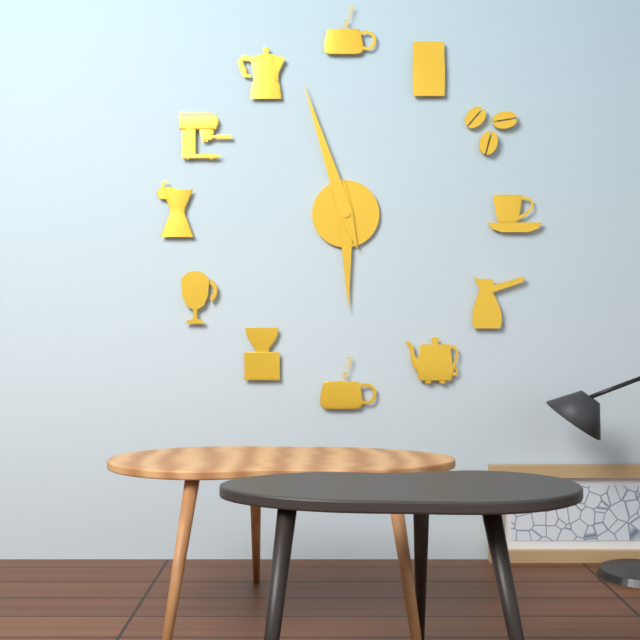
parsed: **5:57**
